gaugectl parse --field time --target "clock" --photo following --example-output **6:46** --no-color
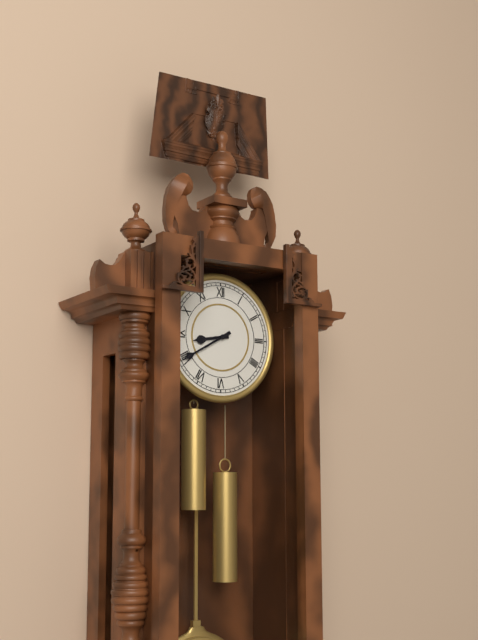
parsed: **8:40**
